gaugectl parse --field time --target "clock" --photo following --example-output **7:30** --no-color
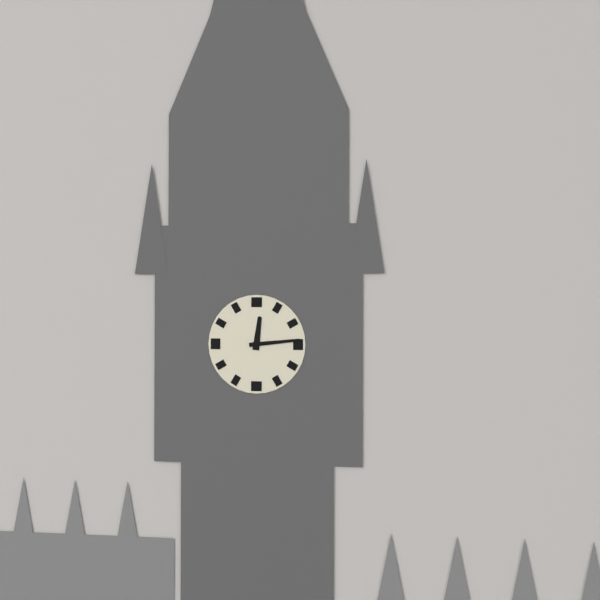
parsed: **12:14**
